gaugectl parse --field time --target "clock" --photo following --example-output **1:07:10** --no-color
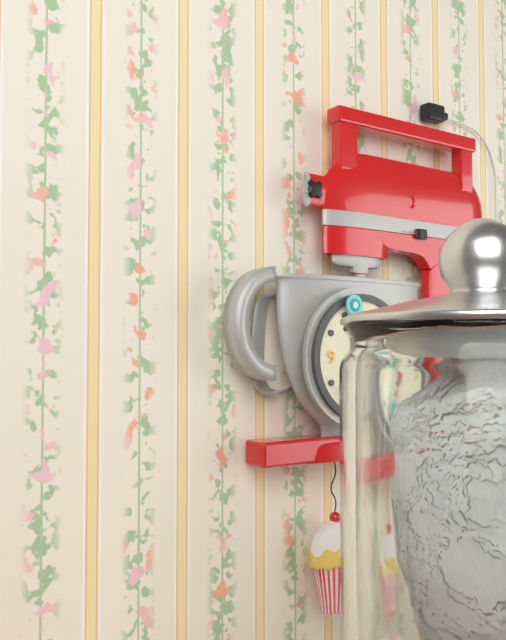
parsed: **6:57:33**
